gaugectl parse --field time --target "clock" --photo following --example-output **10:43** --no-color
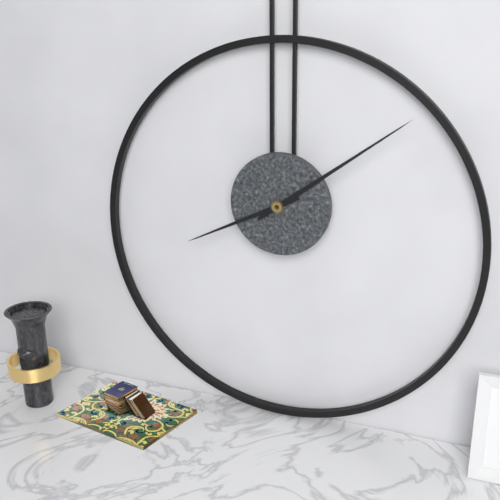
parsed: **8:09**
